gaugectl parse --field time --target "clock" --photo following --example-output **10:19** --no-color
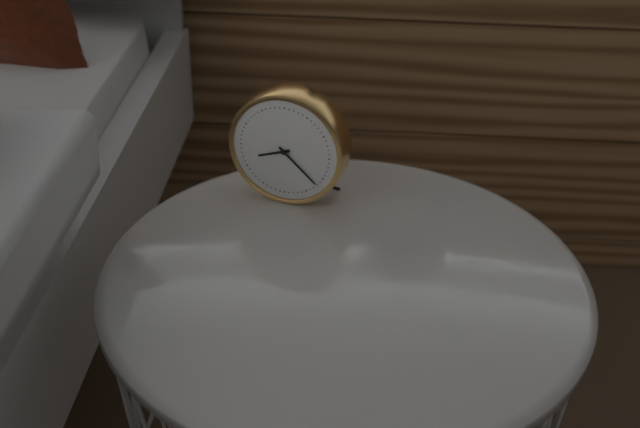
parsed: **8:22**
